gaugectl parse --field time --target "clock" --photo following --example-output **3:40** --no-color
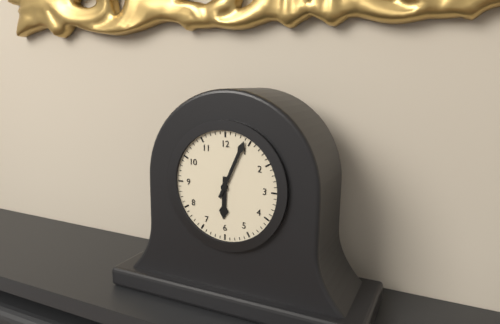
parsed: **6:04**
